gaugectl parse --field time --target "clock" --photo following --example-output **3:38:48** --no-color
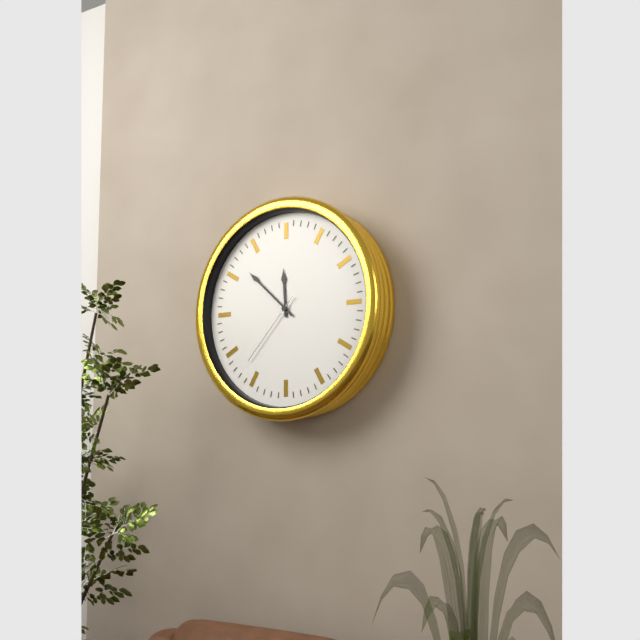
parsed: **11:52:37**
